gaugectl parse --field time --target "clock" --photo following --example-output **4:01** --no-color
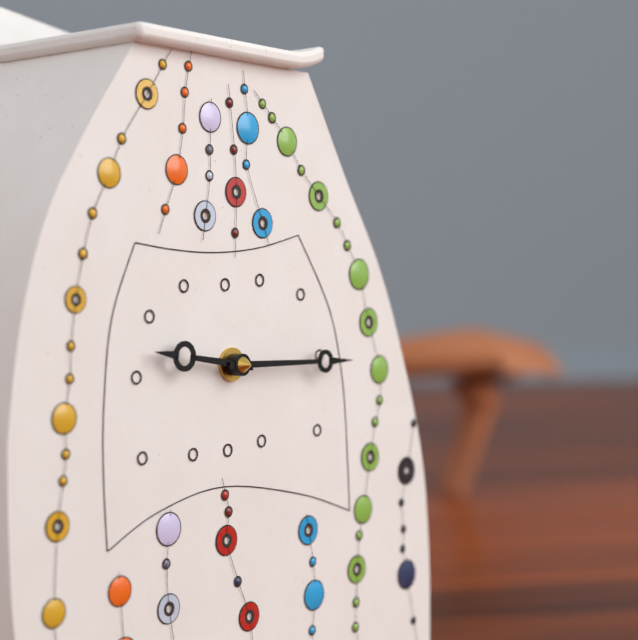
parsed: **9:15**
